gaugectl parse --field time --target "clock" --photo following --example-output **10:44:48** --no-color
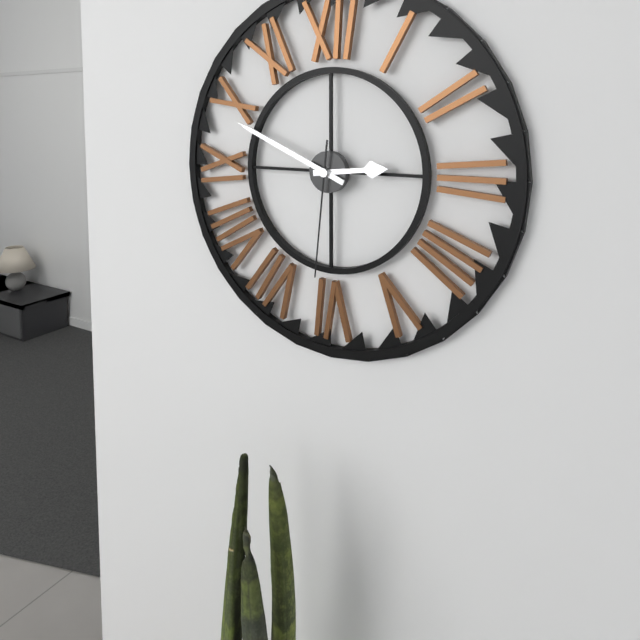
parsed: **2:49:31**
